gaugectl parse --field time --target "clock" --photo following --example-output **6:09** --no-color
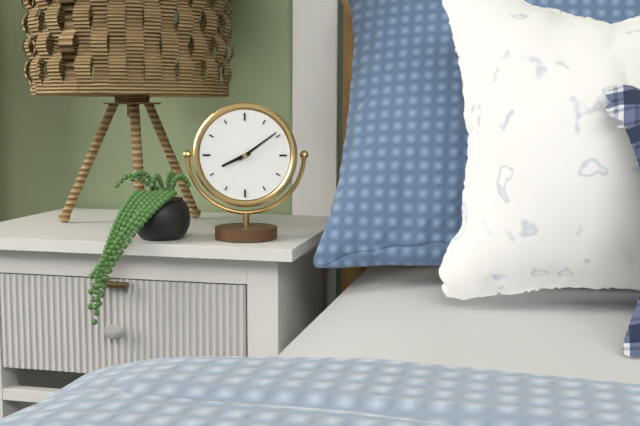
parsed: **8:09**
